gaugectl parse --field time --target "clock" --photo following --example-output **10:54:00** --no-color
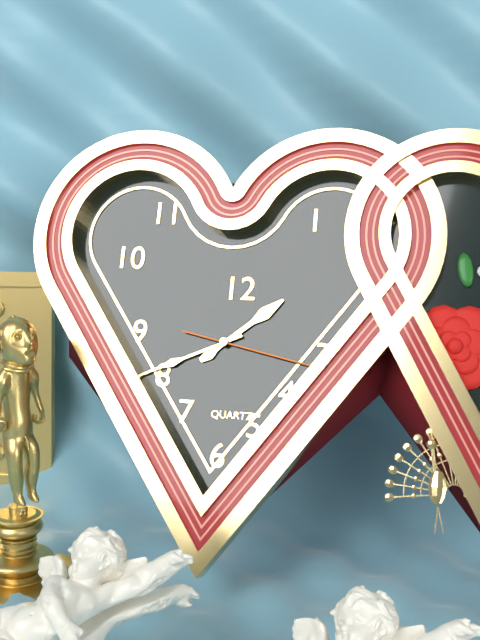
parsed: **1:41:17**
